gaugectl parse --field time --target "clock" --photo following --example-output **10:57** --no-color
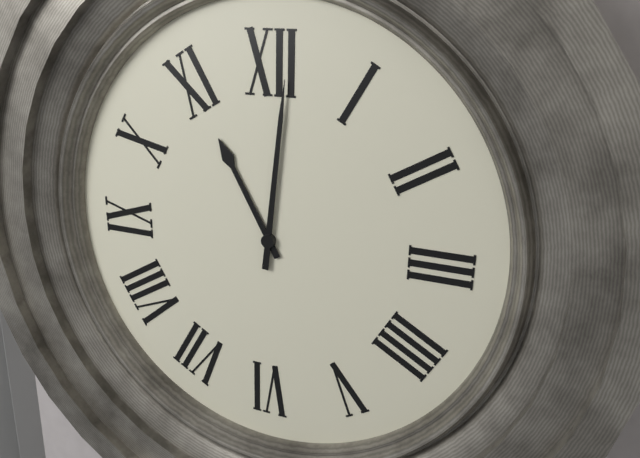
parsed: **11:01**
